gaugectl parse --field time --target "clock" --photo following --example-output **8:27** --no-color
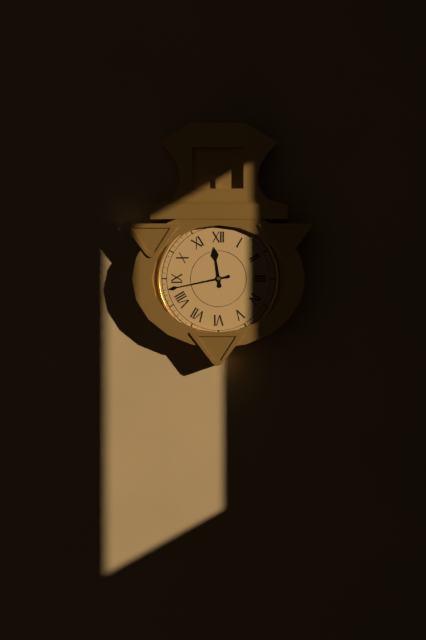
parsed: **11:43**
